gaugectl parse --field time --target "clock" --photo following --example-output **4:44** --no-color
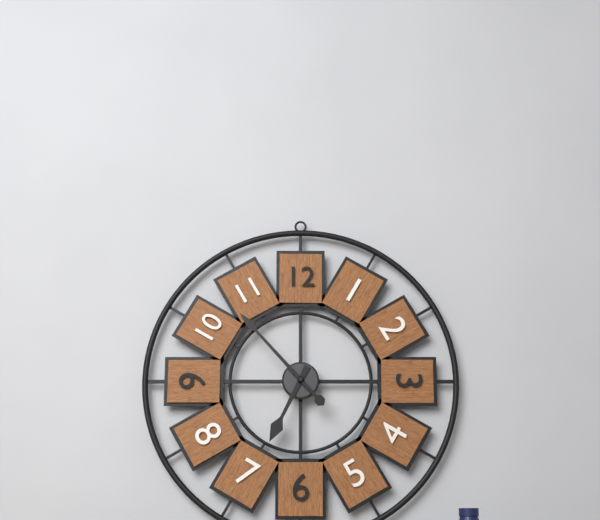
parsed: **6:53**
